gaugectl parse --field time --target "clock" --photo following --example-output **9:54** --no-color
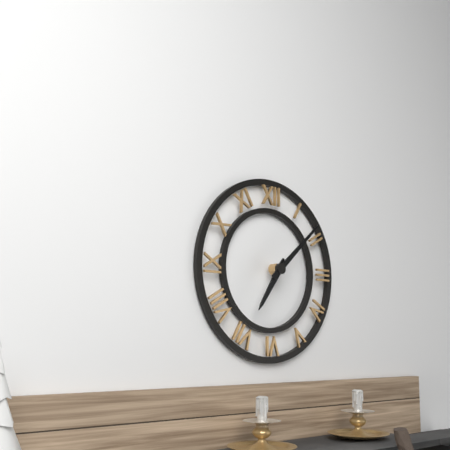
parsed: **7:08**
